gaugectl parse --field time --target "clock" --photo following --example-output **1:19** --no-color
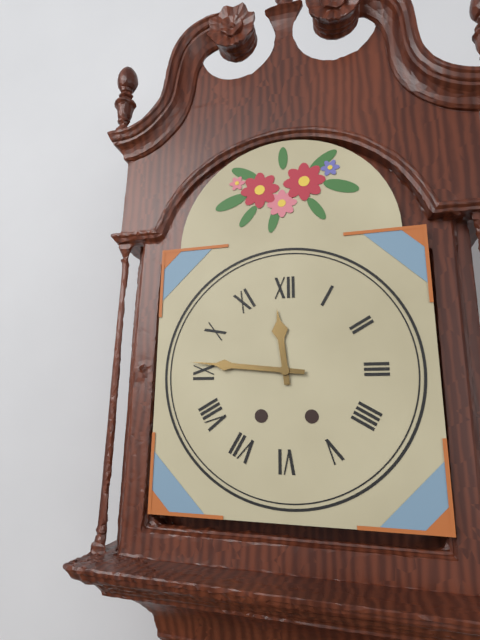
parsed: **11:46**
